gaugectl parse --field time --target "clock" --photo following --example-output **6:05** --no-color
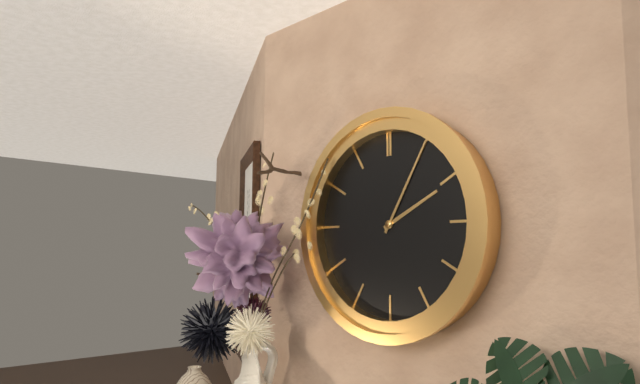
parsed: **2:05**
